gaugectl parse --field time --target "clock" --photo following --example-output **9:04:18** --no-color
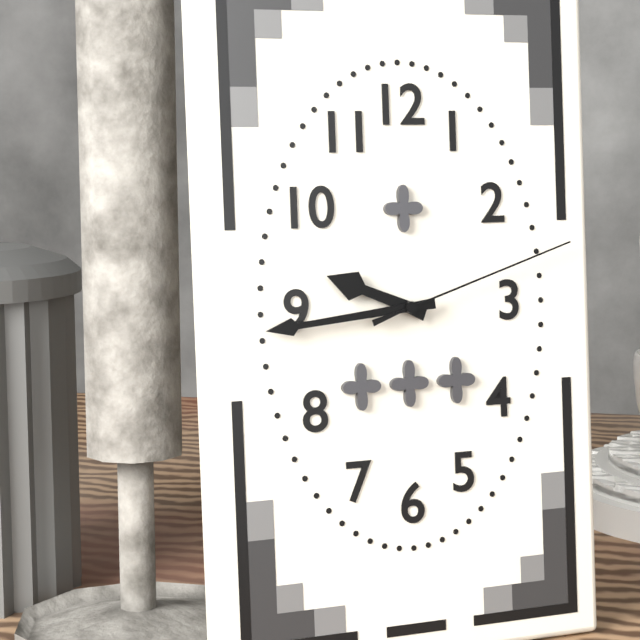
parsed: **9:44:12**
